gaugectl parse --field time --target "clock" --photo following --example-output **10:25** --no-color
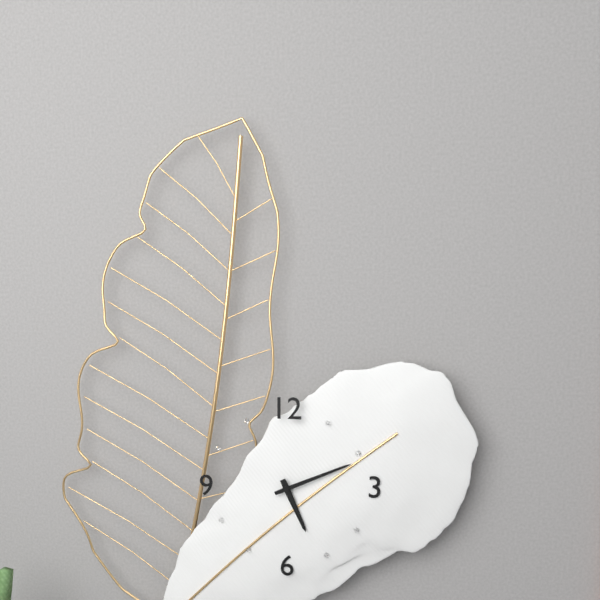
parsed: **5:11**
